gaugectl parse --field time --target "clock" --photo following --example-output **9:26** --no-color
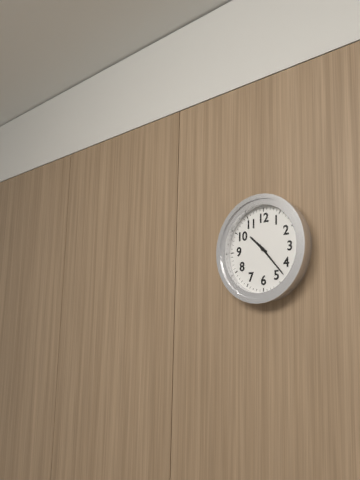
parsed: **10:23**
